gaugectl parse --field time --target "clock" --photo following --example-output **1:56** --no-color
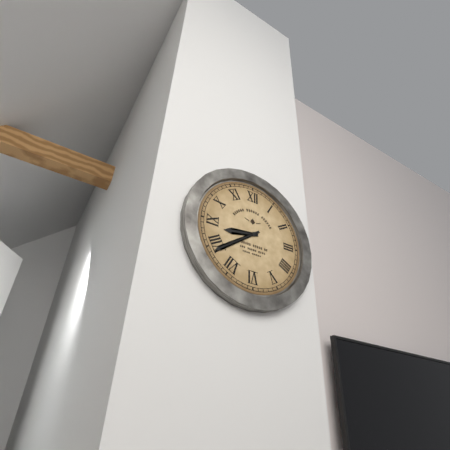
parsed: **8:39**
